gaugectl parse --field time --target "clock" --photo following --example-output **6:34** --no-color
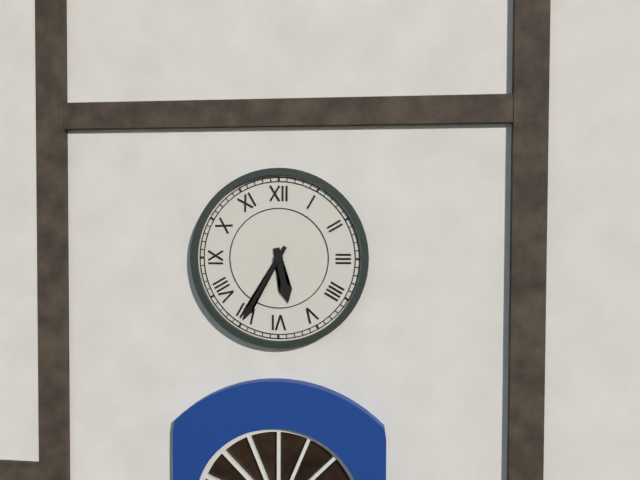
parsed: **5:35**
